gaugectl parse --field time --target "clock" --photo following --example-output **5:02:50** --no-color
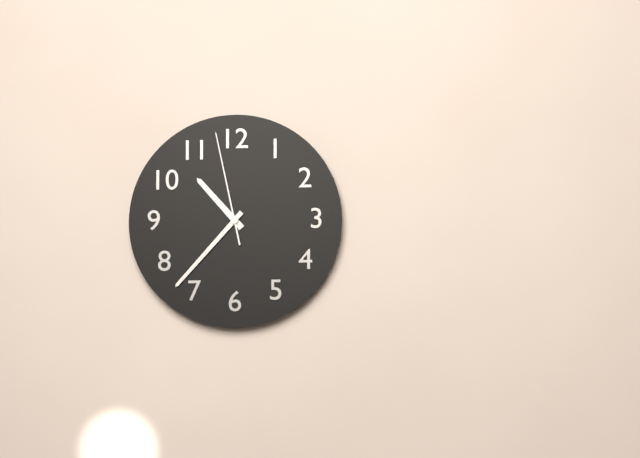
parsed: **10:37:58**
